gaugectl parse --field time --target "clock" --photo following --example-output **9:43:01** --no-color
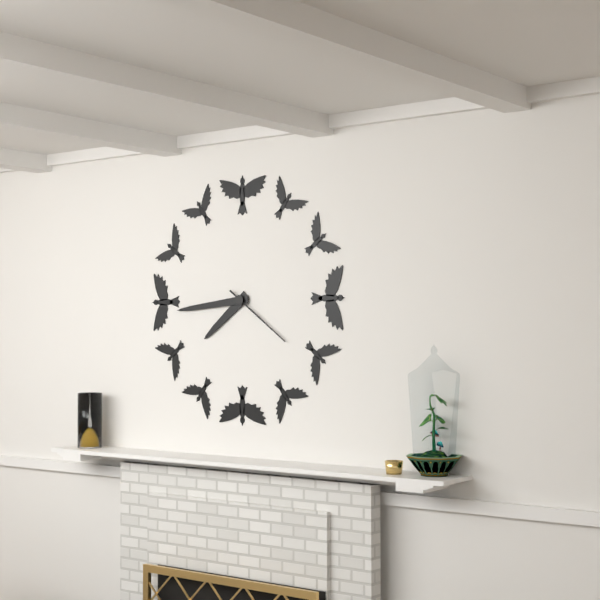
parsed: **7:44:21**
